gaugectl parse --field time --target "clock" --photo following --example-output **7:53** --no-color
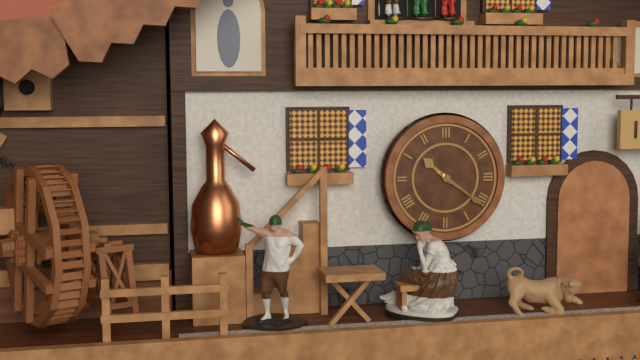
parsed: **10:21**
